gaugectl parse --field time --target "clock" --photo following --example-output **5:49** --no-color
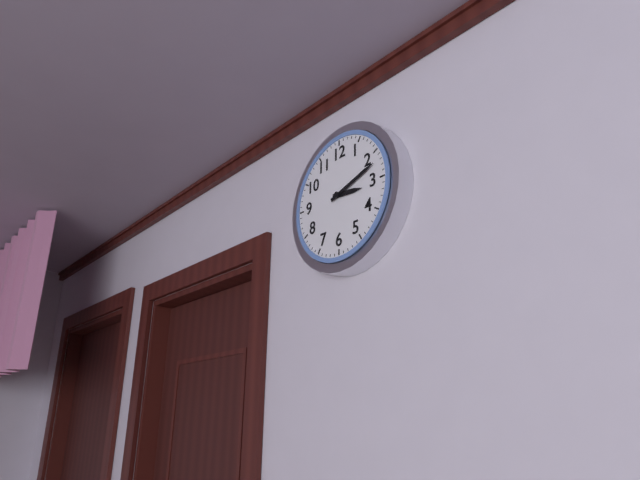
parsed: **3:12**
